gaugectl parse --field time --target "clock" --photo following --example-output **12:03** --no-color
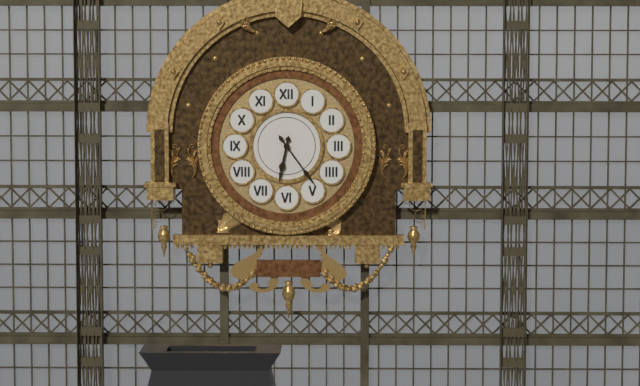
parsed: **6:24**
